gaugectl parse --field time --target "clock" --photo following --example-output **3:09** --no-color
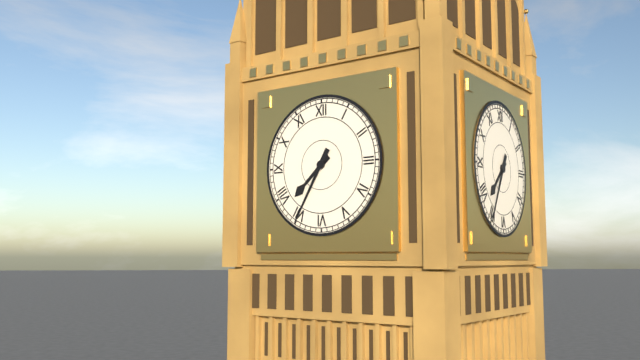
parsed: **7:35**
